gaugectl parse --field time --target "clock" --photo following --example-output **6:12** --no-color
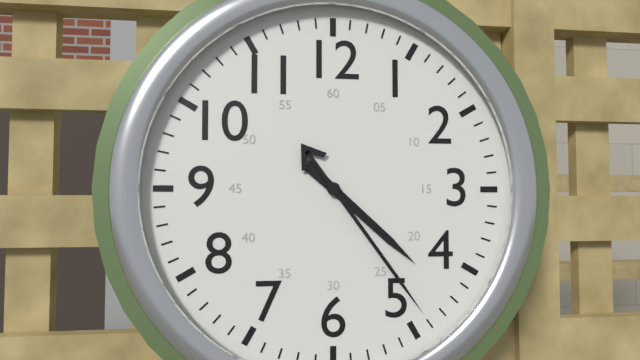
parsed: **4:24**
